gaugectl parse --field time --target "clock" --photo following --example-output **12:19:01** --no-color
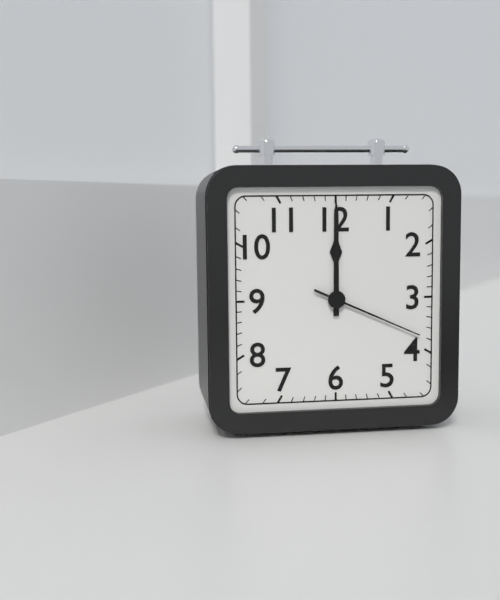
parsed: **12:00:19**
